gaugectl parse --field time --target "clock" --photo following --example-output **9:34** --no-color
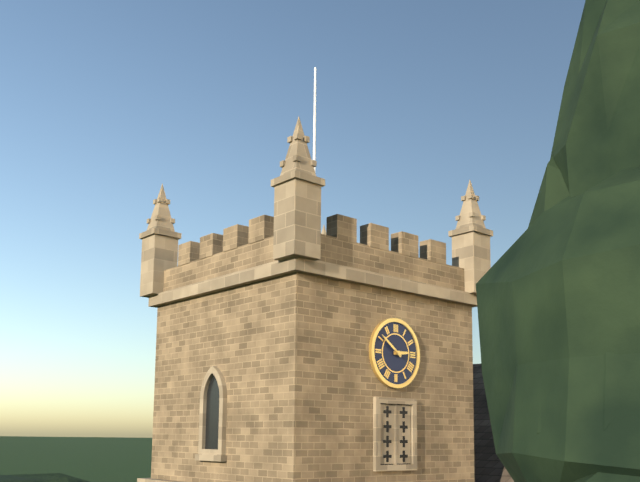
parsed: **2:51**
